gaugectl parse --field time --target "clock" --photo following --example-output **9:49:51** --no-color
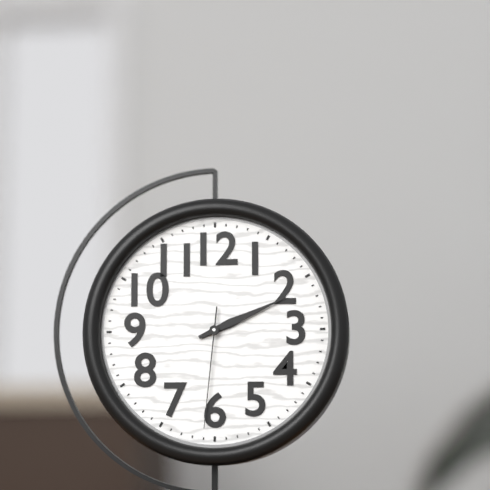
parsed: **2:11:31**
